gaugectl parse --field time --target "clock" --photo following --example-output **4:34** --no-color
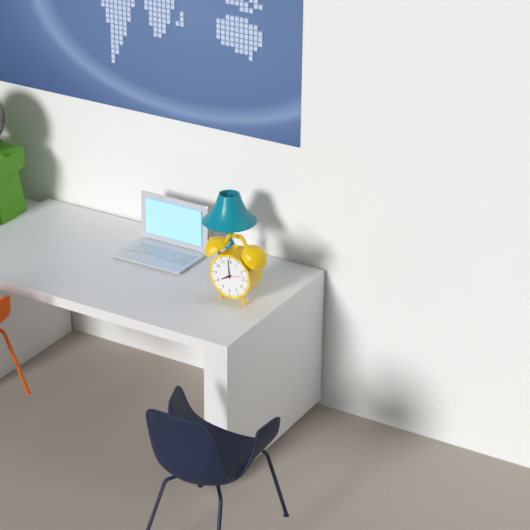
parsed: **7:59**
